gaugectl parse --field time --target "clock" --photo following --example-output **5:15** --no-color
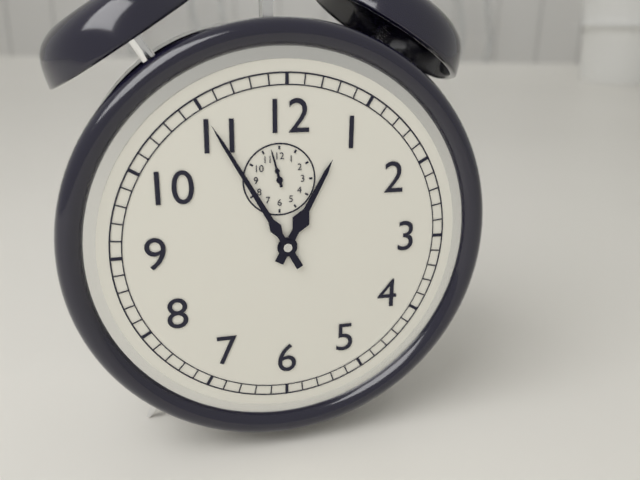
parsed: **12:55**
